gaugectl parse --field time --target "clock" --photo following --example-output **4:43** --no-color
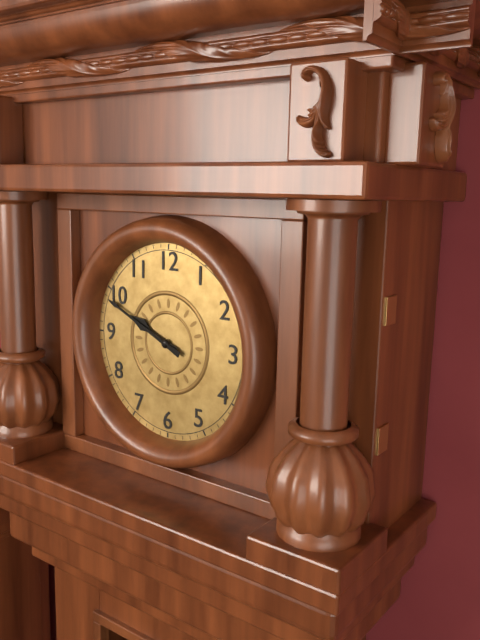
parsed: **9:49**
